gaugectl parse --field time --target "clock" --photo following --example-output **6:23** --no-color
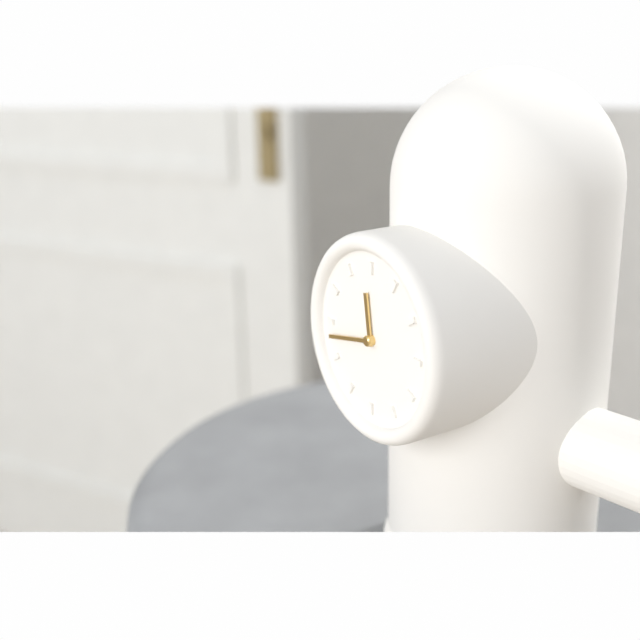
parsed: **11:43**
